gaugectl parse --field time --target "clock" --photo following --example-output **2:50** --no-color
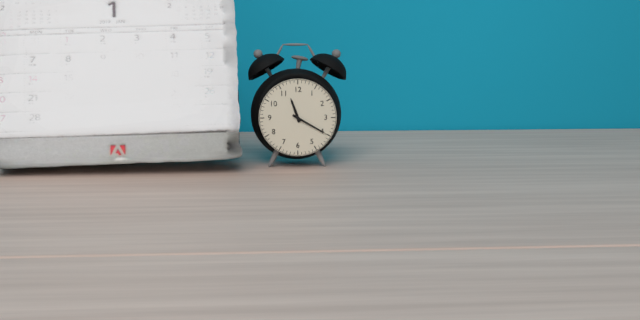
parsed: **11:20**
